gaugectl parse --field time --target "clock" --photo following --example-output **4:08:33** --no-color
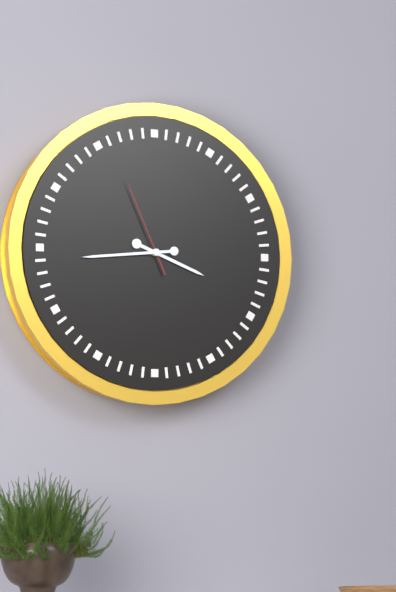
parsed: **3:44:56**
